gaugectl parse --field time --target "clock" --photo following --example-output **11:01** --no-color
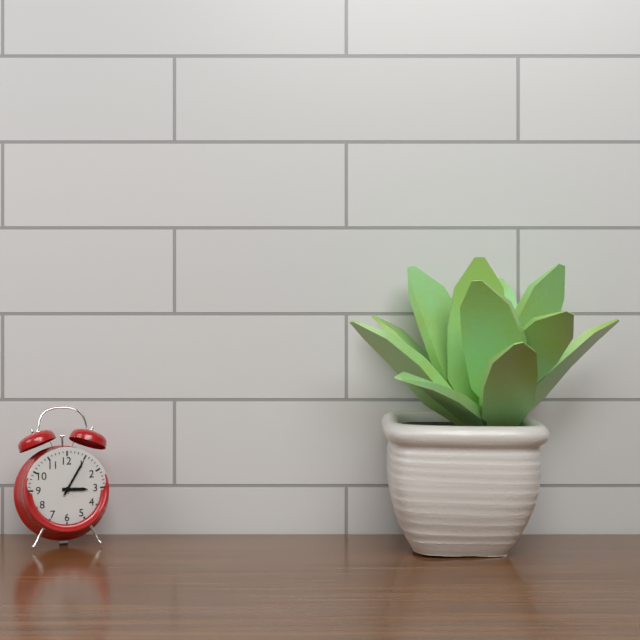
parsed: **3:05**
